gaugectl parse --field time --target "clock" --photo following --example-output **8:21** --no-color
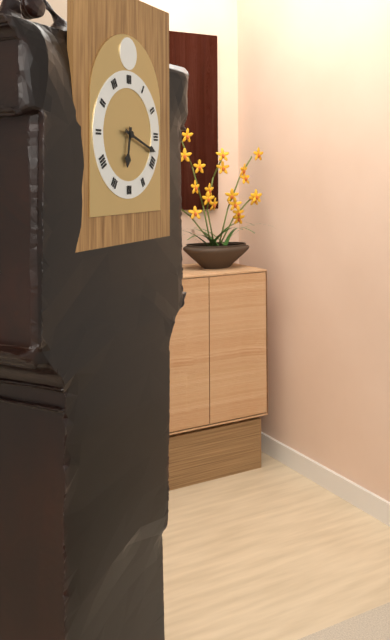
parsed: **6:18**
